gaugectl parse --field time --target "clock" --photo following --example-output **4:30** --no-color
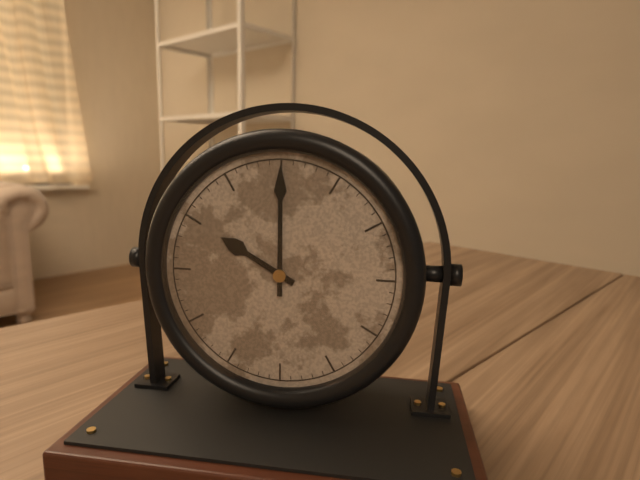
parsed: **10:00**
